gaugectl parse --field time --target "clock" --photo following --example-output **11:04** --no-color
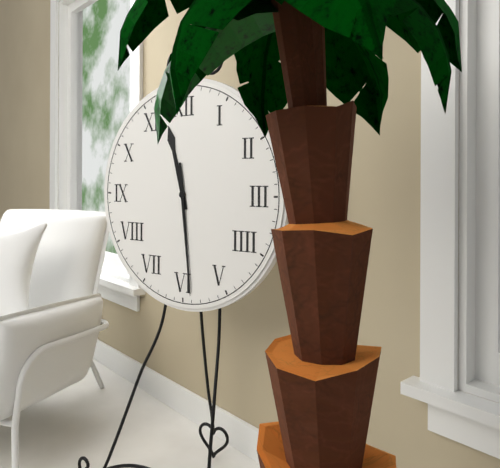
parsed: **11:29**
